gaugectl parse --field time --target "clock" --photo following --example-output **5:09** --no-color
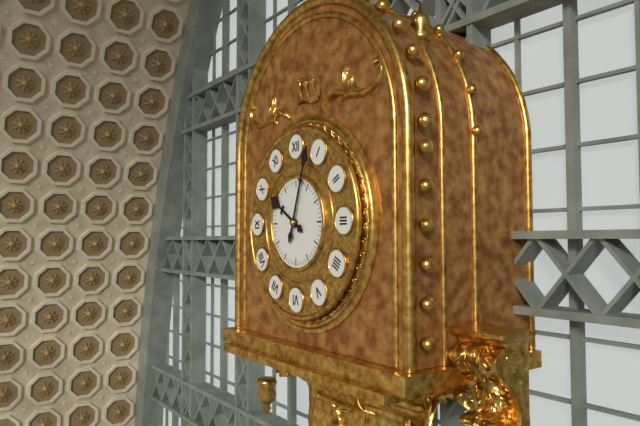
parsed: **10:03**
